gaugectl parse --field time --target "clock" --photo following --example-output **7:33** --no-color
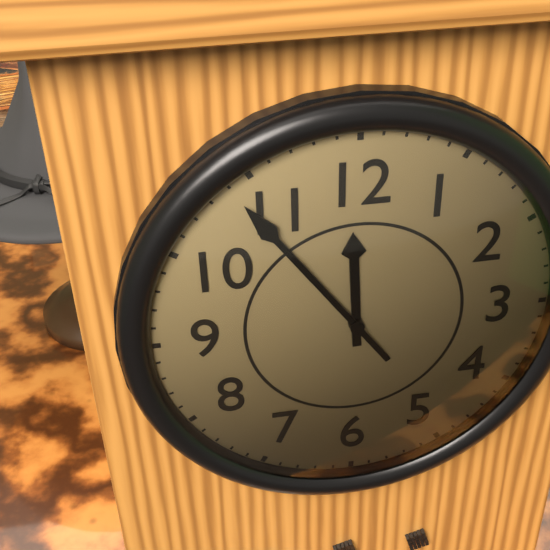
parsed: **11:54**
